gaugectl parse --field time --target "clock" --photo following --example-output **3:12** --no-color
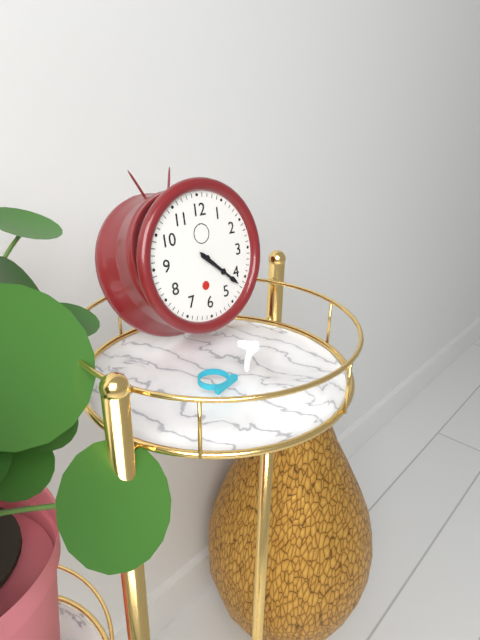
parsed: **4:22**
